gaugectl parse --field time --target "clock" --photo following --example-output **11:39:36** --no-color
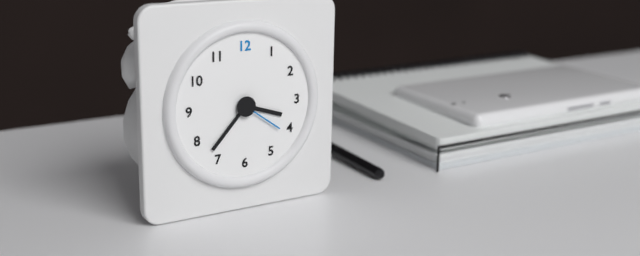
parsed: **3:37:21**
